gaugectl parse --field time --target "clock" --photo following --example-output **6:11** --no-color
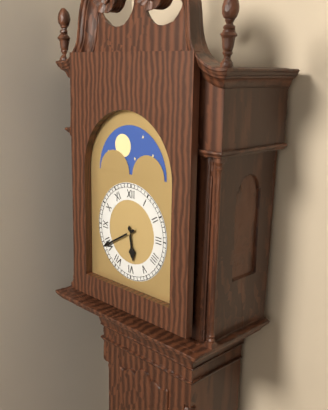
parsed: **5:40**
